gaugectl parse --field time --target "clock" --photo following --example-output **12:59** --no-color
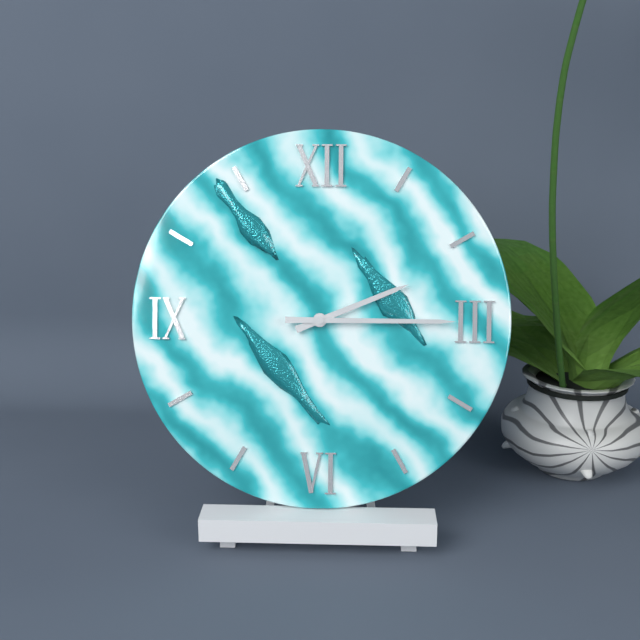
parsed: **2:15**
